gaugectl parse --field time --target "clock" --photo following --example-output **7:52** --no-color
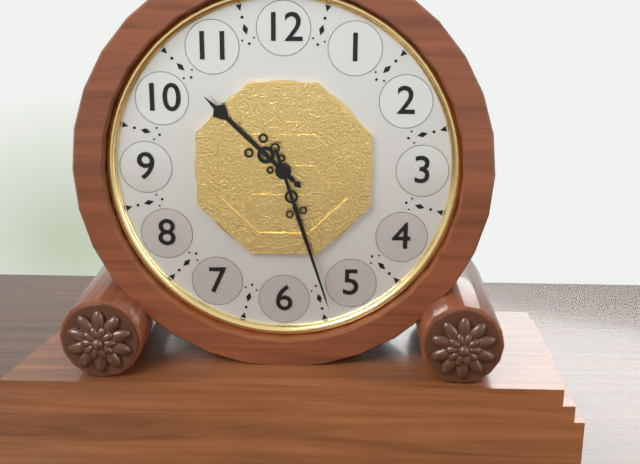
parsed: **10:27**
